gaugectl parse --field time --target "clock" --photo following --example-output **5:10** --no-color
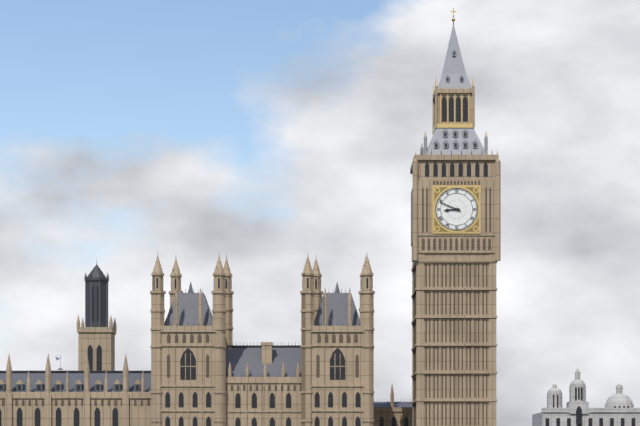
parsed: **8:49**
